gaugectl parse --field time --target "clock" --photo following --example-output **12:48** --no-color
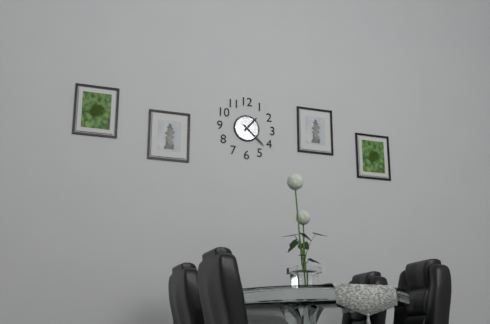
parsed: **1:22**
